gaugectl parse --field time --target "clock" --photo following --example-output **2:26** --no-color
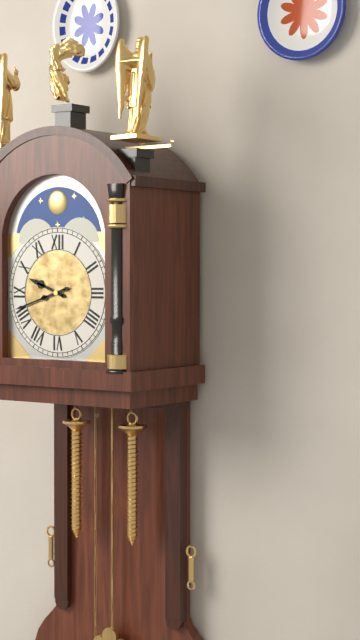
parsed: **9:42**
